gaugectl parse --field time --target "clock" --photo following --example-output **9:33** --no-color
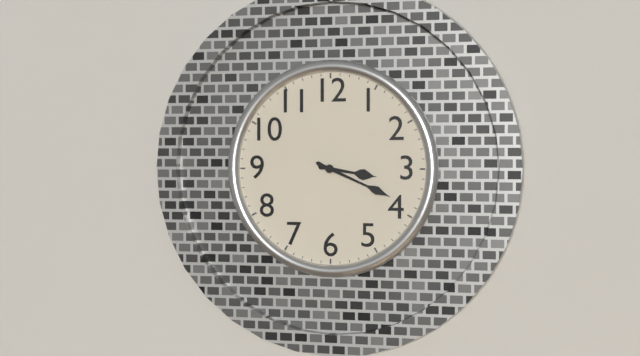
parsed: **3:19**
